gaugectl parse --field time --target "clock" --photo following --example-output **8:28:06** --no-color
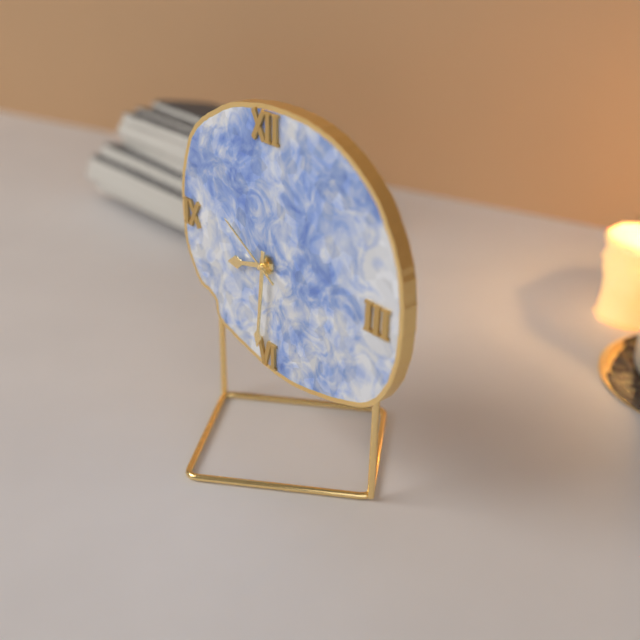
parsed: **8:31:50**
